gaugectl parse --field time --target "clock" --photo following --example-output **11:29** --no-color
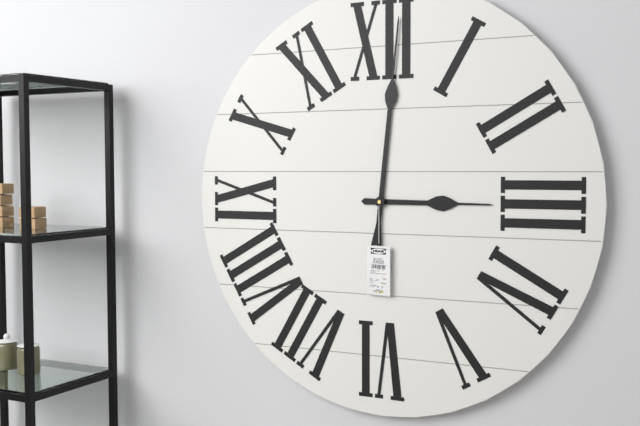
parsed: **3:01**
